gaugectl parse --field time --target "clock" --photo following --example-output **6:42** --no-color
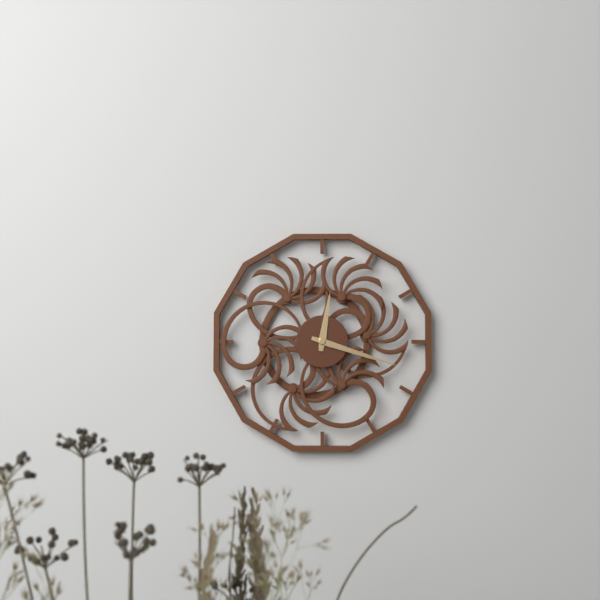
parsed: **12:18**
